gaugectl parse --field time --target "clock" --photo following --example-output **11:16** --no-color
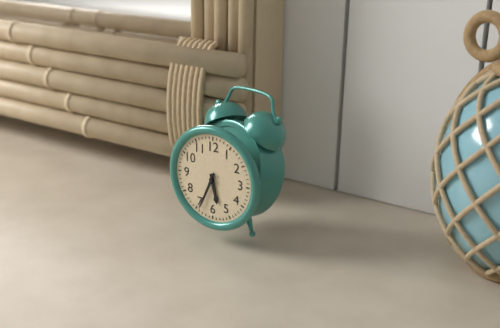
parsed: **5:34**
